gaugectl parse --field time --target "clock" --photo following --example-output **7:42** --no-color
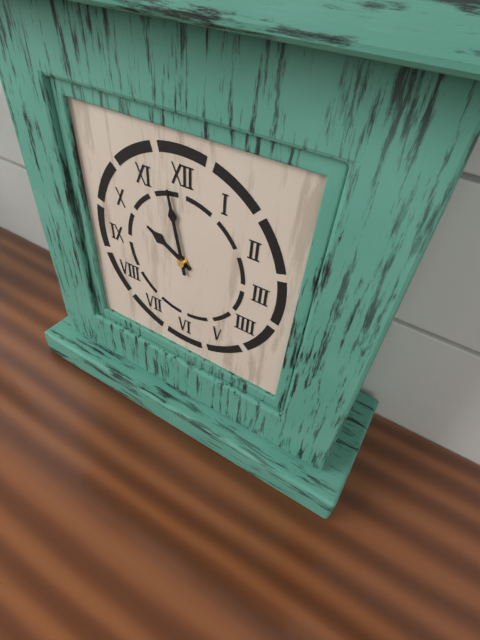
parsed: **9:58**
